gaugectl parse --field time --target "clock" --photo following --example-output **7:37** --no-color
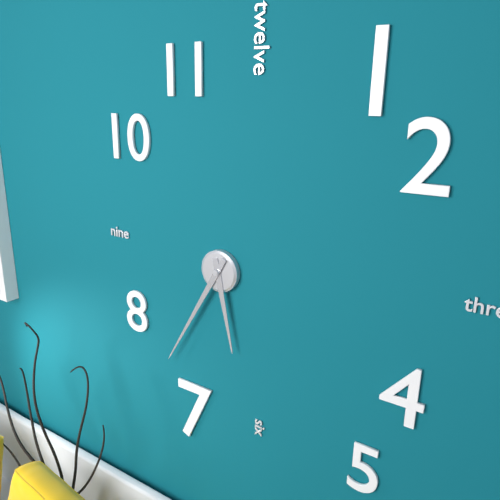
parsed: **5:35**
